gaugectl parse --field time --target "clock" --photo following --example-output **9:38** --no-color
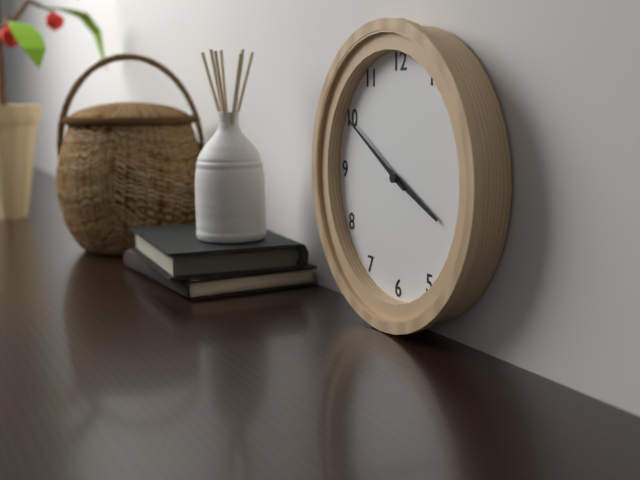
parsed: **3:50**
